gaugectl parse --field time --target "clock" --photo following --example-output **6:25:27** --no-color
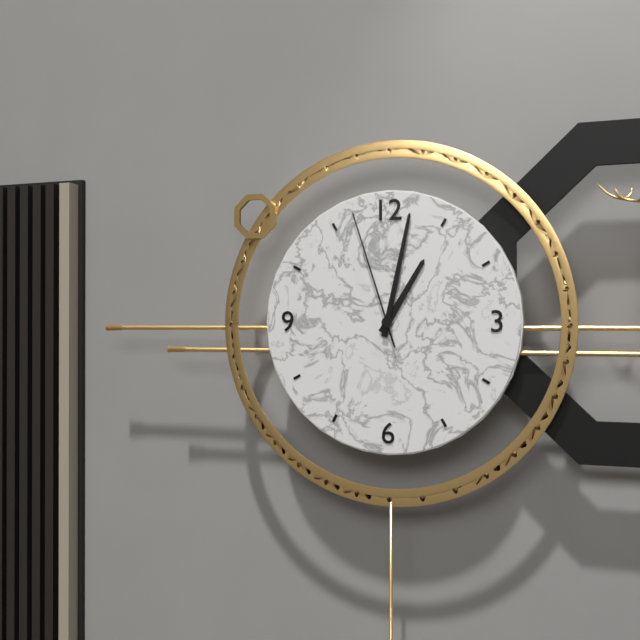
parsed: **1:02:57**
